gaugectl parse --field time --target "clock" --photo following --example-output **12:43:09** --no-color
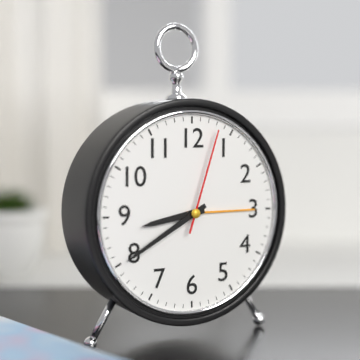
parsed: **8:40:03**
